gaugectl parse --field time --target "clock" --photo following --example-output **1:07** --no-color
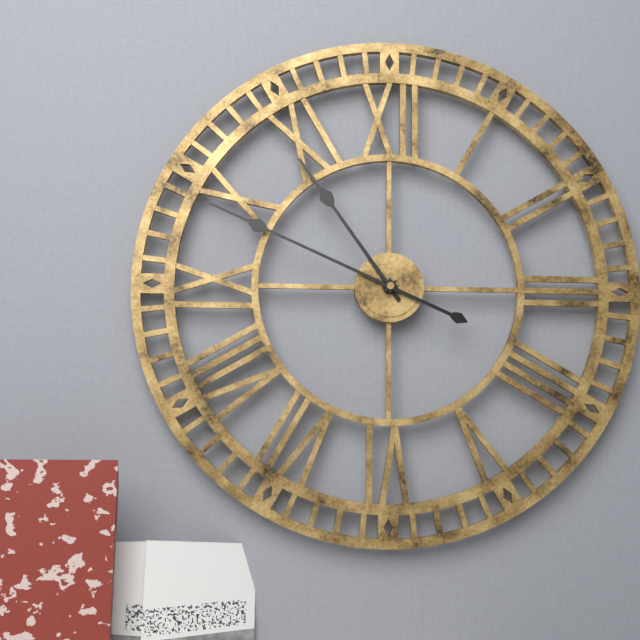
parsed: **10:49**
